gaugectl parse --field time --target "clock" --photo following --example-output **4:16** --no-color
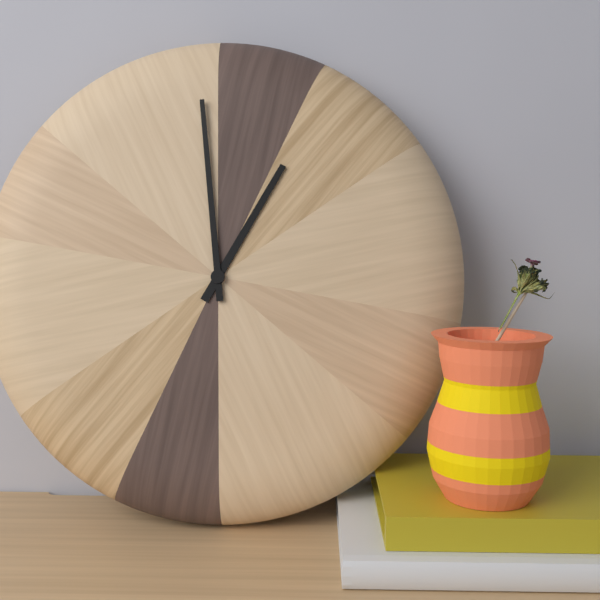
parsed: **12:59**
